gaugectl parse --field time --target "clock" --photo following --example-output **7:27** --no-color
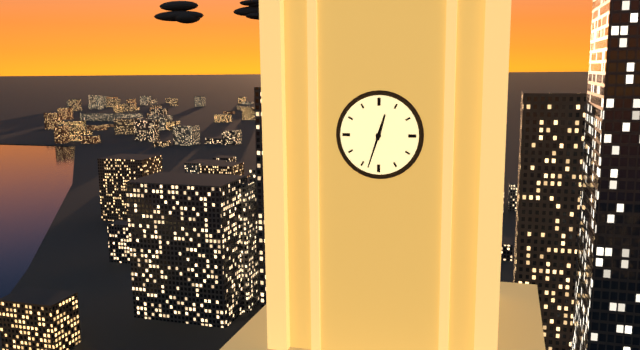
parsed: **12:33**
